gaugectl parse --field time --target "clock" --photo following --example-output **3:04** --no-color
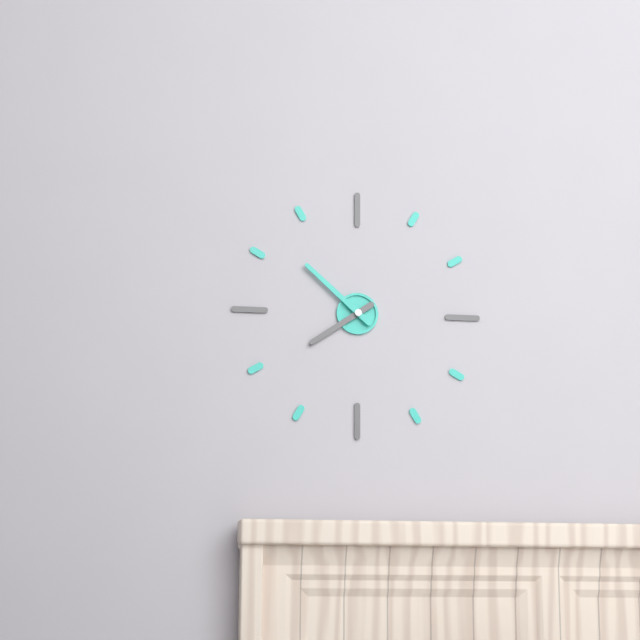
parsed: **7:52**
